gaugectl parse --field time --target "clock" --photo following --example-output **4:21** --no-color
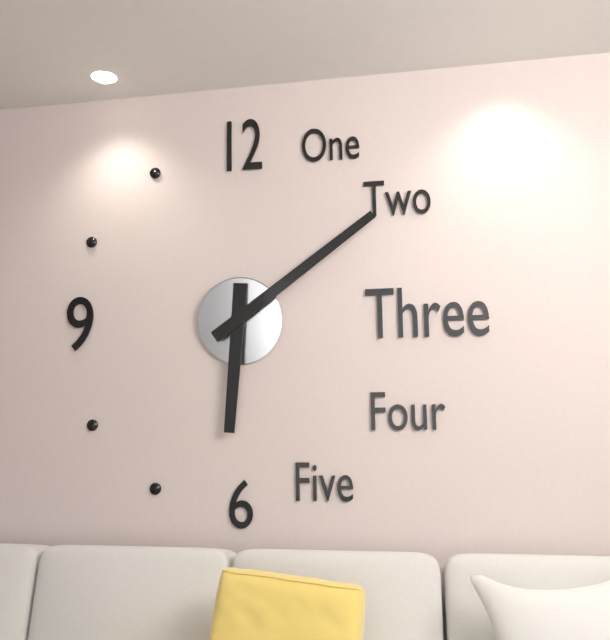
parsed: **6:09**
